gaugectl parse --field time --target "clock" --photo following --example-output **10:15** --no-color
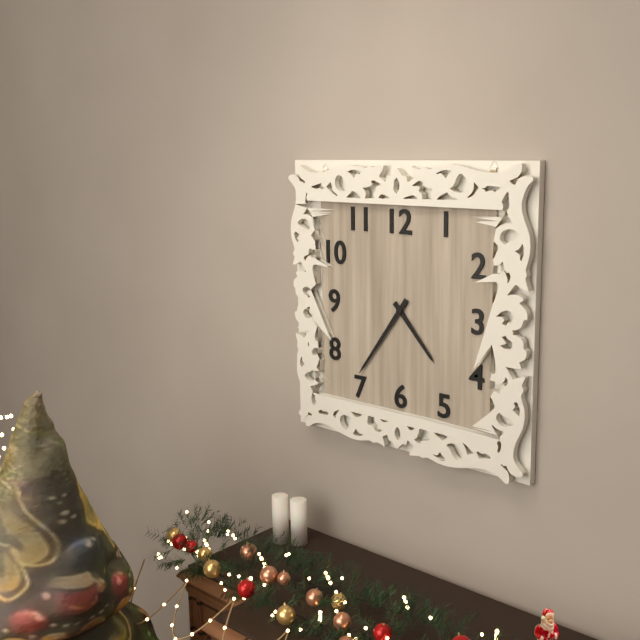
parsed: **4:36**
